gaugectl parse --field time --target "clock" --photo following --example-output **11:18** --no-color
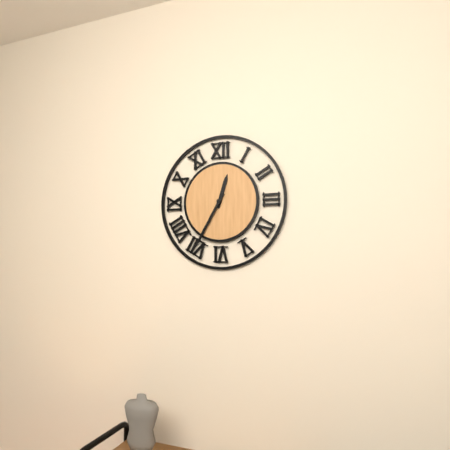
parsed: **12:35**
